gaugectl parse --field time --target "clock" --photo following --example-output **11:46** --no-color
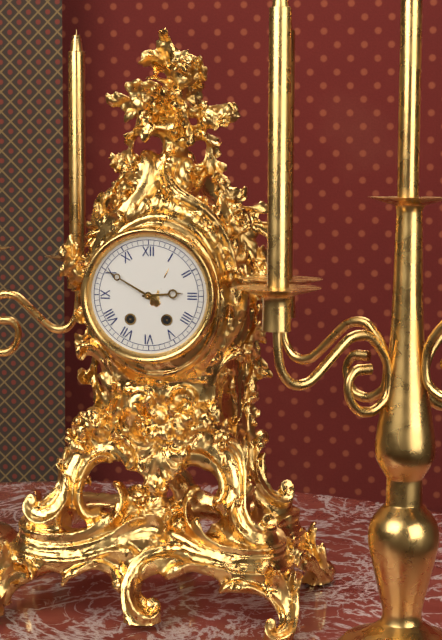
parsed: **2:50**
